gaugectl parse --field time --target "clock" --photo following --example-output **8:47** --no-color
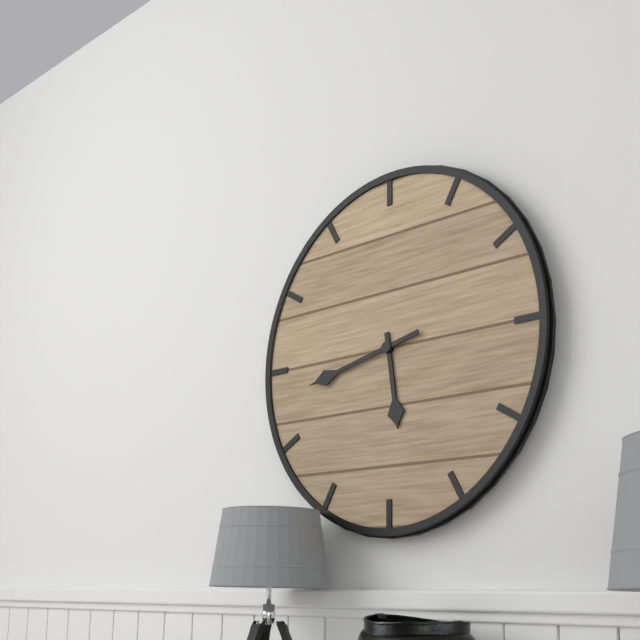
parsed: **5:43**
